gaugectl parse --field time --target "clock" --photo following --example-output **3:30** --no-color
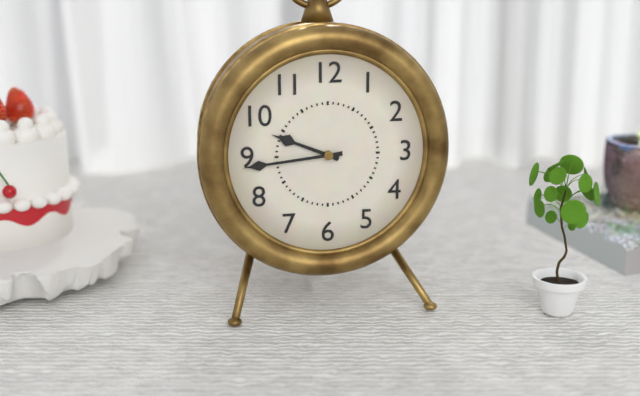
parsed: **9:44**
